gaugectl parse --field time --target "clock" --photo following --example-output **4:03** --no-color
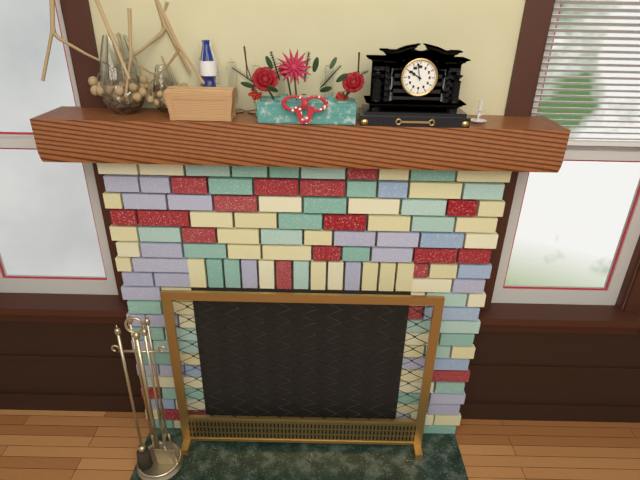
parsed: **9:58**
